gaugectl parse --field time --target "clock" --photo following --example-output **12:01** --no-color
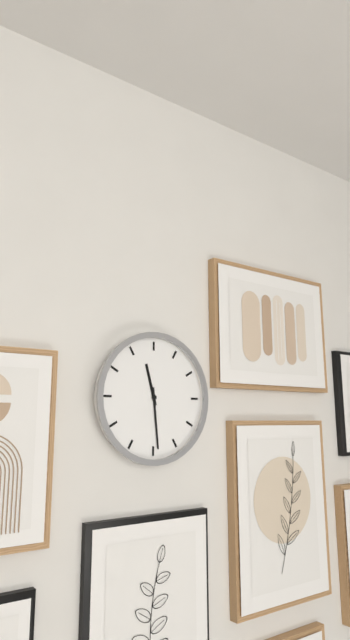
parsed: **11:29**
